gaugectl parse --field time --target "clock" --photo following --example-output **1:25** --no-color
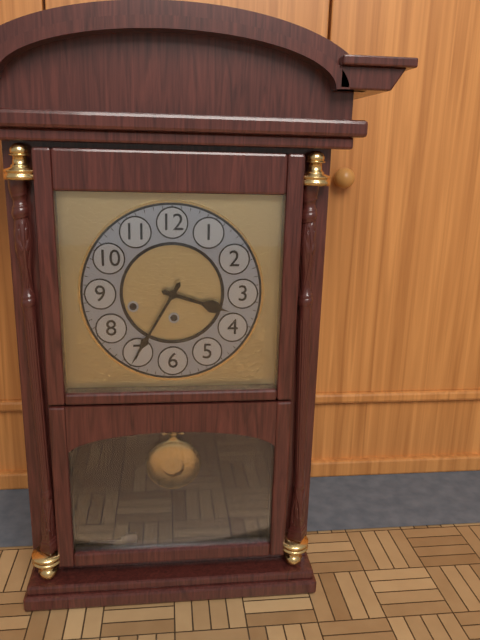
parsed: **3:35**
